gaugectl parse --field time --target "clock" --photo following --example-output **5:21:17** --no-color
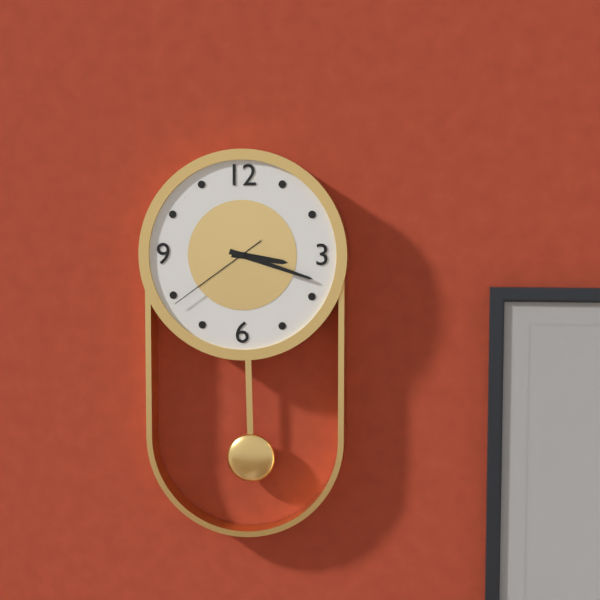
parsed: **3:18:39**
